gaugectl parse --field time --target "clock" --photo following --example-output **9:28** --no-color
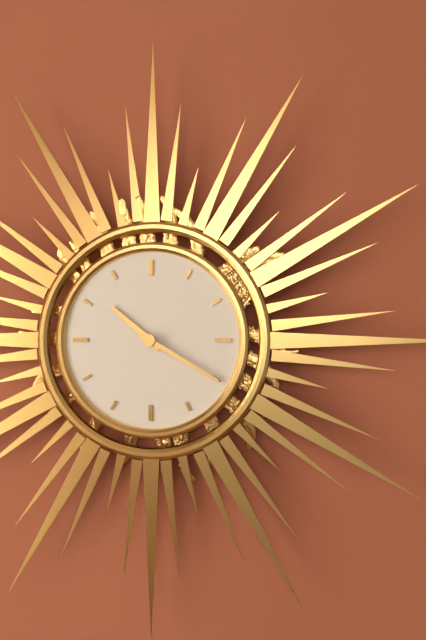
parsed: **10:20**
